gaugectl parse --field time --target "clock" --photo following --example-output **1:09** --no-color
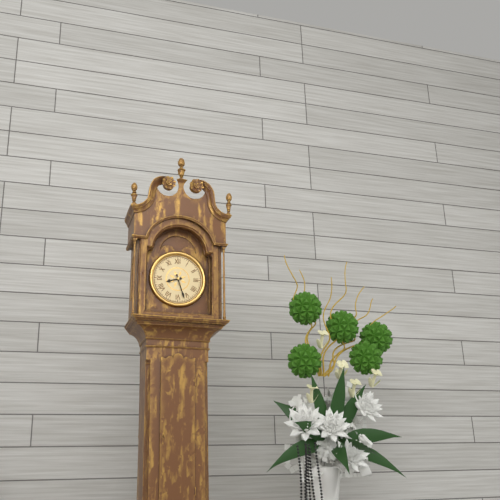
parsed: **8:27**
